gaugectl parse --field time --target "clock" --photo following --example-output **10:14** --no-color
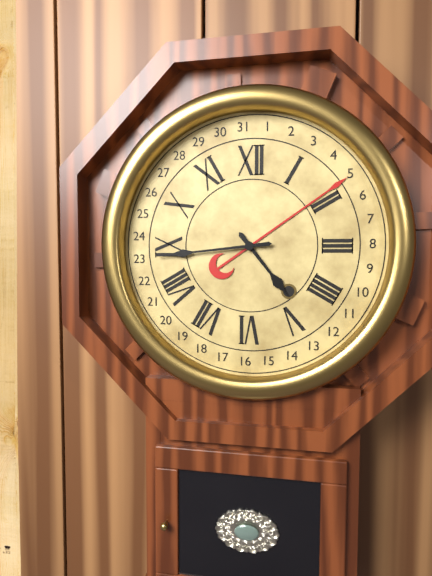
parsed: **4:44**
